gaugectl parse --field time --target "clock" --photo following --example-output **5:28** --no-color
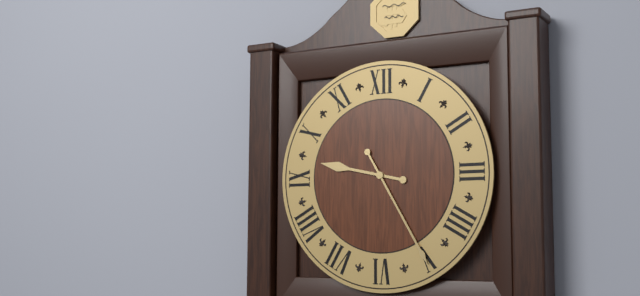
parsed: **9:25**
